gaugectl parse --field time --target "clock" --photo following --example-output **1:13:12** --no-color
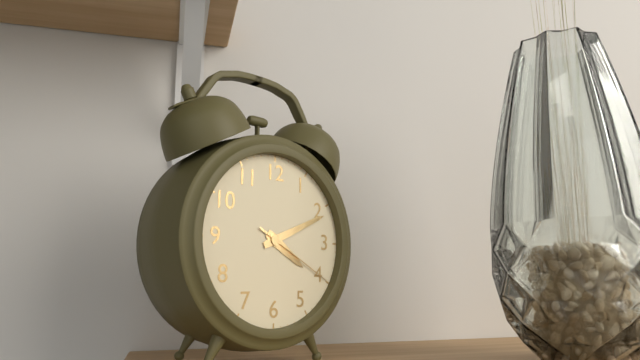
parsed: **4:11:20**
